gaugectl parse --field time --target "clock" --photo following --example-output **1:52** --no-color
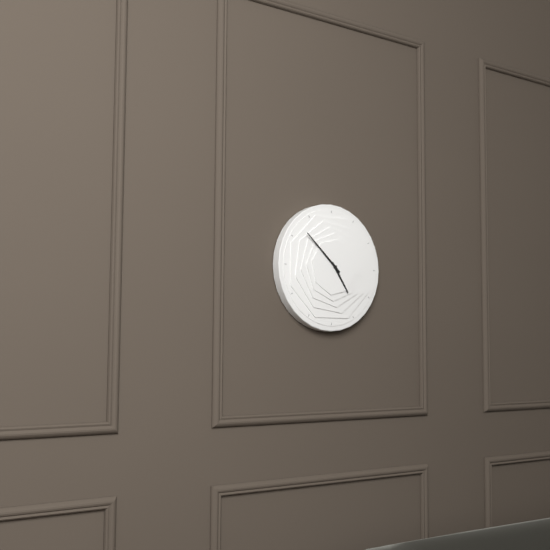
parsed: **4:52**
